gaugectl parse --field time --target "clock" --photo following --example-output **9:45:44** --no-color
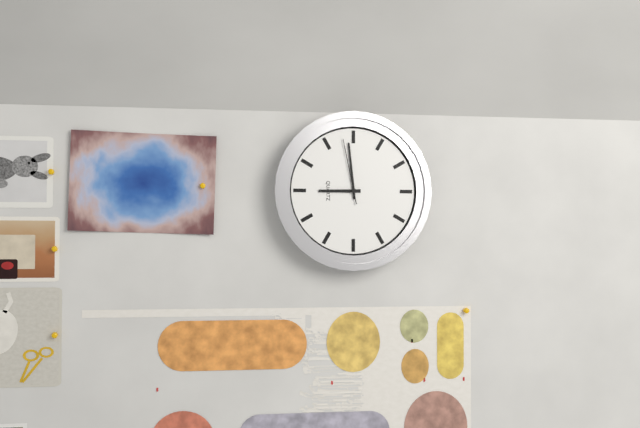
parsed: **8:59:58**
